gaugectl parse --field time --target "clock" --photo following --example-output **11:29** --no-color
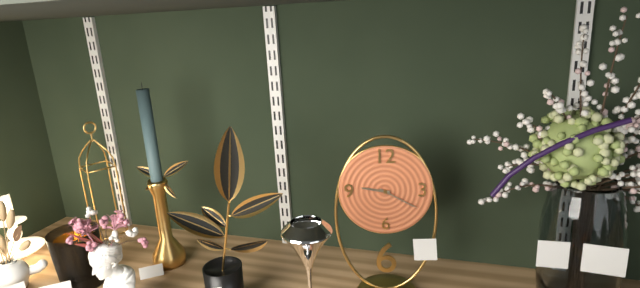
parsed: **9:20**
